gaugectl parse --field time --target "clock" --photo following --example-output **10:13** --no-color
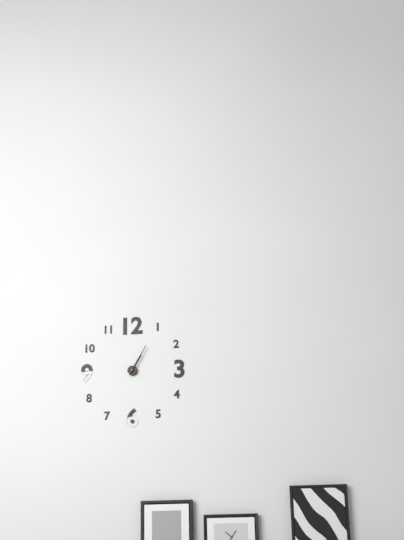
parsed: **1:05**
